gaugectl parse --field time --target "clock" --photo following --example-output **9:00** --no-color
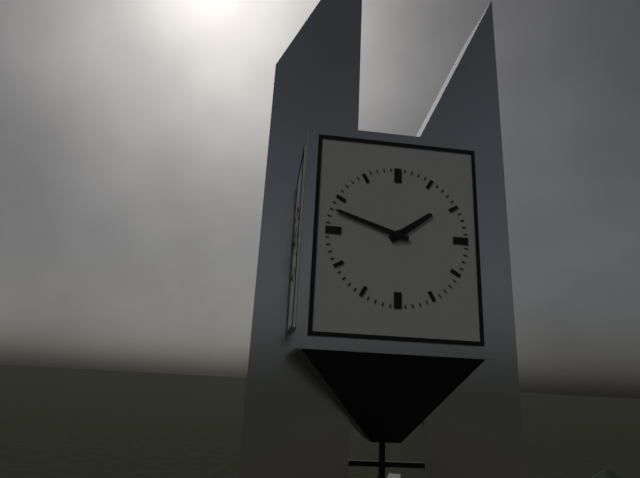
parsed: **1:48**
